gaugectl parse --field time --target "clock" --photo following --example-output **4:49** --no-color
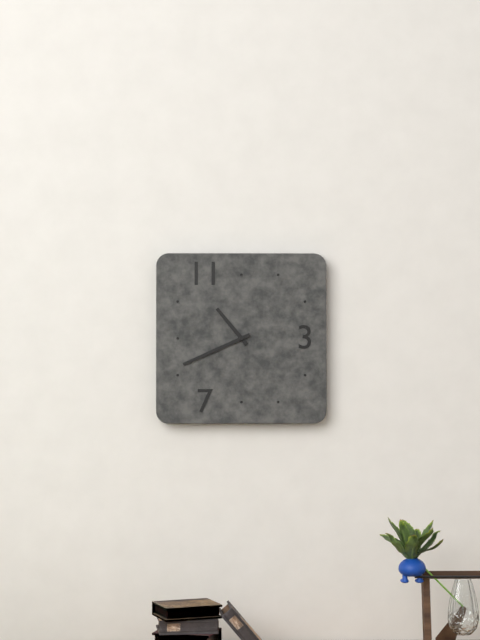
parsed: **10:41**
